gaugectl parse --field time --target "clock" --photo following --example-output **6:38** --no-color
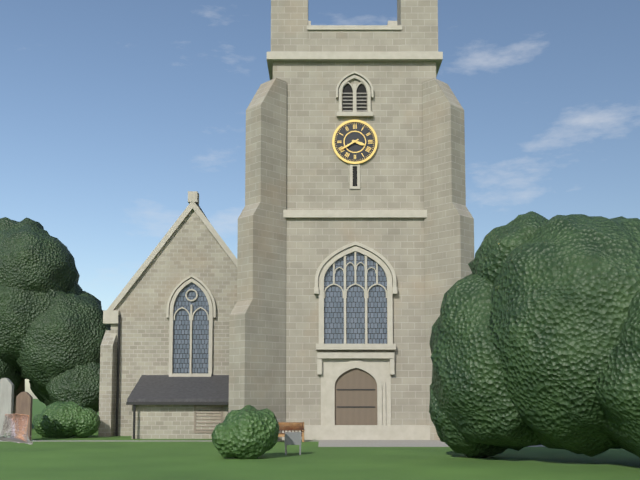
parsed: **3:40**
